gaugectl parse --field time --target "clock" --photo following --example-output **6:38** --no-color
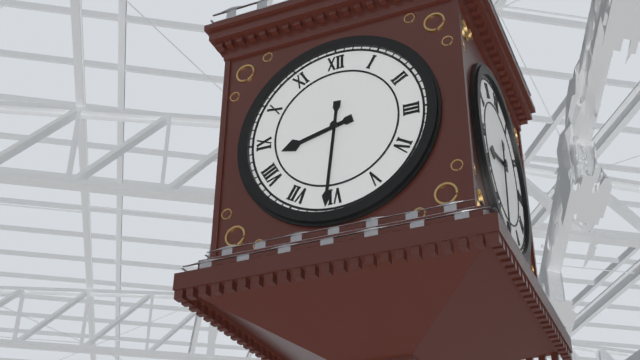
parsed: **8:31**
